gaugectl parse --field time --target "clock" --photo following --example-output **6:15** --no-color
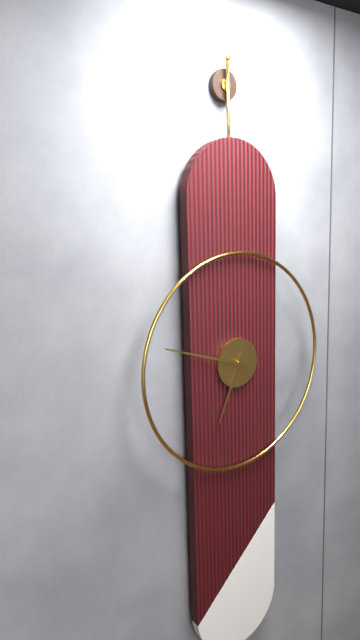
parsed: **6:48**
